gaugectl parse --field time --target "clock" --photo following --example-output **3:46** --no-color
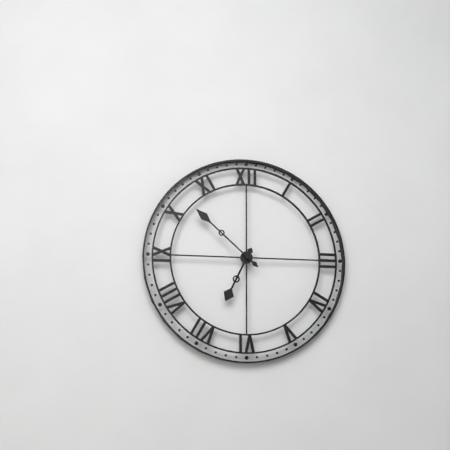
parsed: **6:52**
